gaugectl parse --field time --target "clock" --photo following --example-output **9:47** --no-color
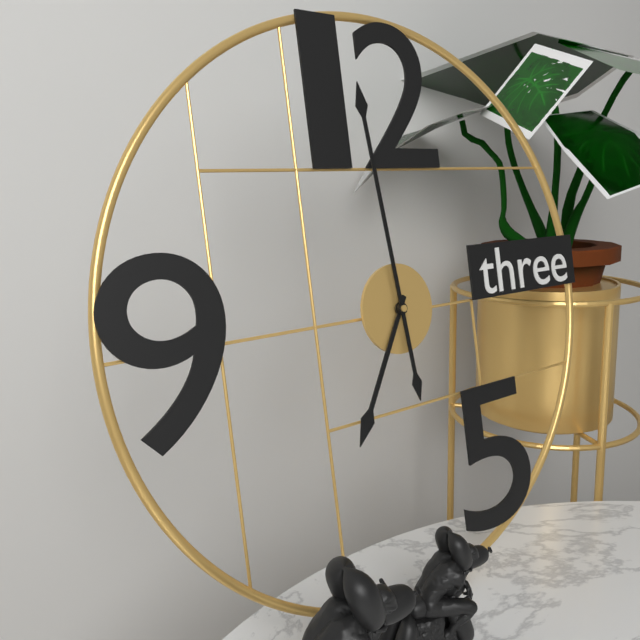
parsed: **6:59**
